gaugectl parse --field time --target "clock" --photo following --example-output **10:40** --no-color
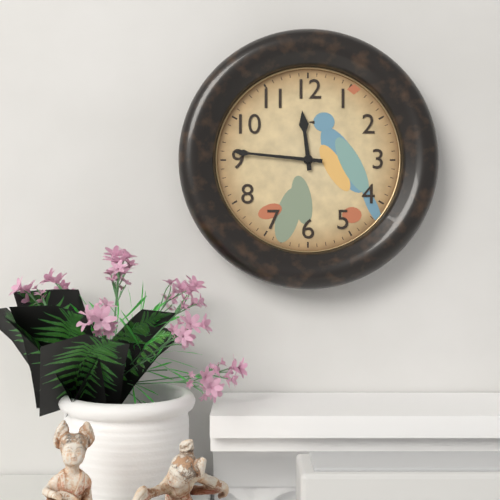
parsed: **11:46**
